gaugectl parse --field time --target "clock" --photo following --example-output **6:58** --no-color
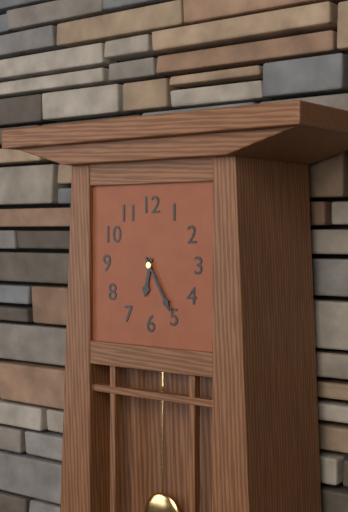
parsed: **6:25**
